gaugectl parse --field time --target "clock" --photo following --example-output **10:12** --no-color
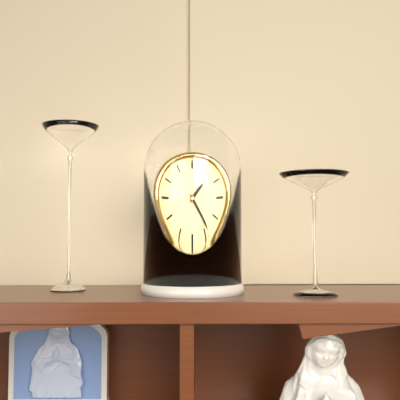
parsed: **1:24**
